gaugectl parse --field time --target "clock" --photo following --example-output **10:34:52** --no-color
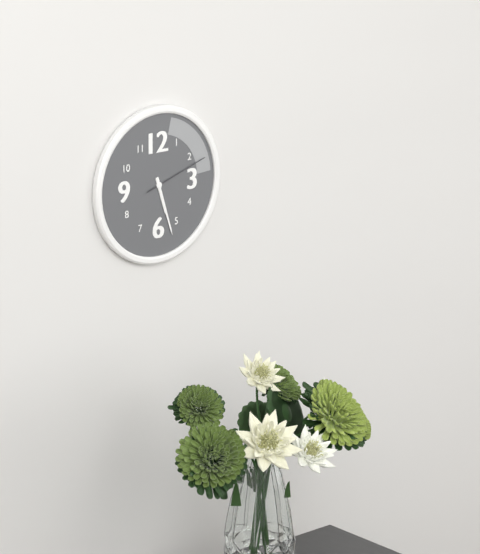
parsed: **5:27:12**
